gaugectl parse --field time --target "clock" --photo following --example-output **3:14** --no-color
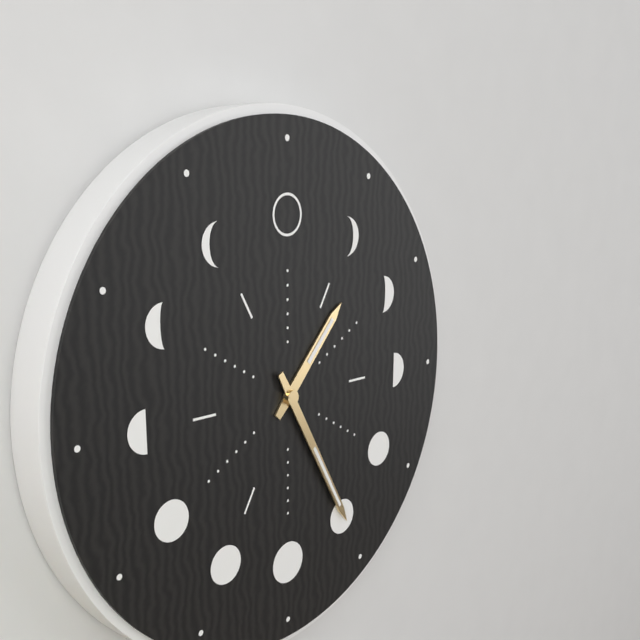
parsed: **1:25**
